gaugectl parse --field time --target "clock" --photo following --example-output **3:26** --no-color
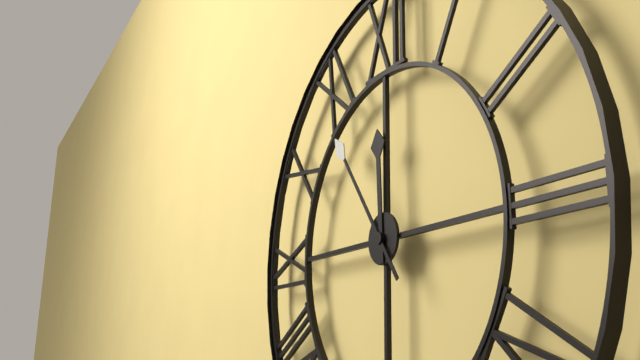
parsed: **11:54**
